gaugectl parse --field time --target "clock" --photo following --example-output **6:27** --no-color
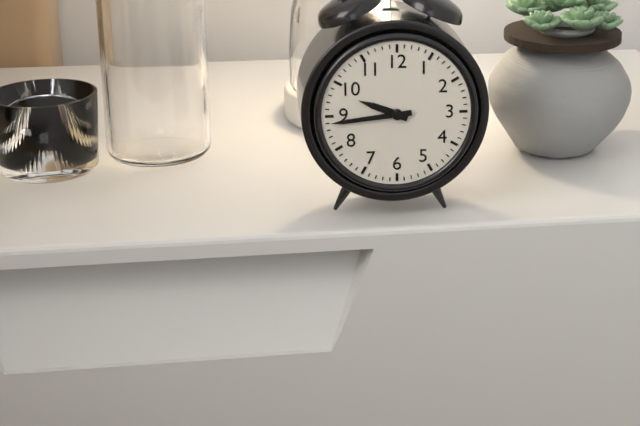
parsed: **9:44**
